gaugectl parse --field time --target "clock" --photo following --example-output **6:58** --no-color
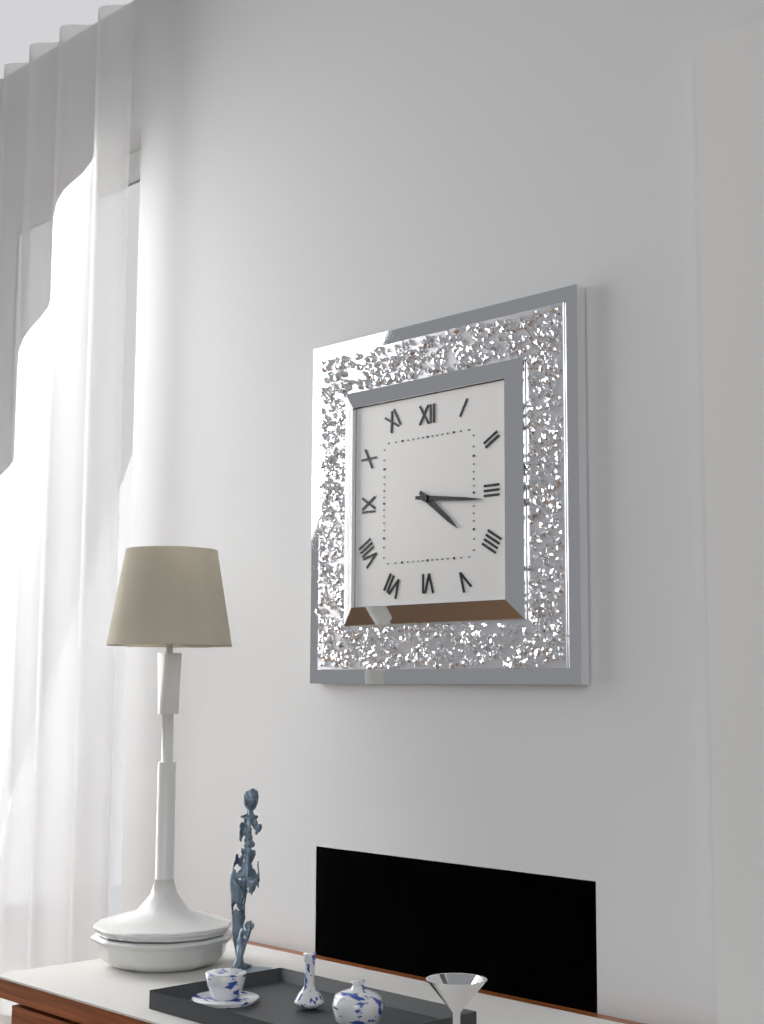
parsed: **4:16**
